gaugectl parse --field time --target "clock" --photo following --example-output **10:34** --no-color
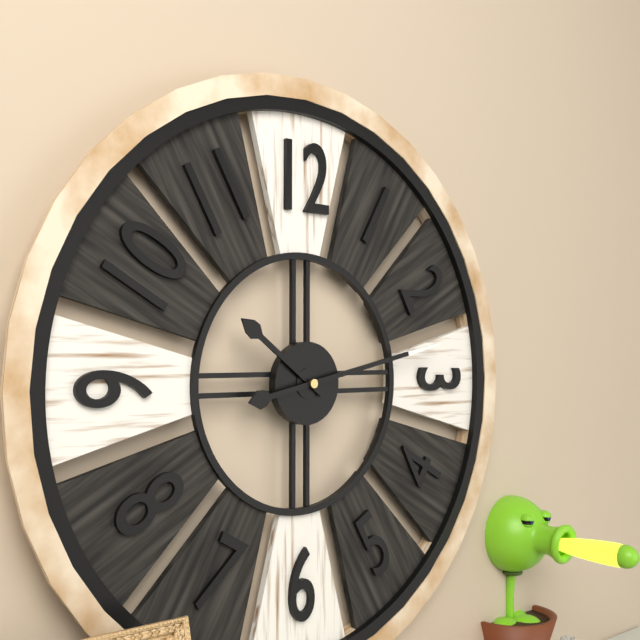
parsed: **10:13**
